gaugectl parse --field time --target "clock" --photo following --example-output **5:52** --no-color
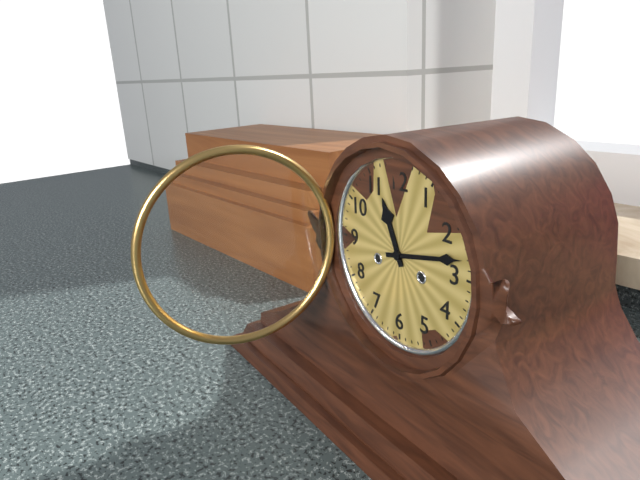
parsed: **11:13**
